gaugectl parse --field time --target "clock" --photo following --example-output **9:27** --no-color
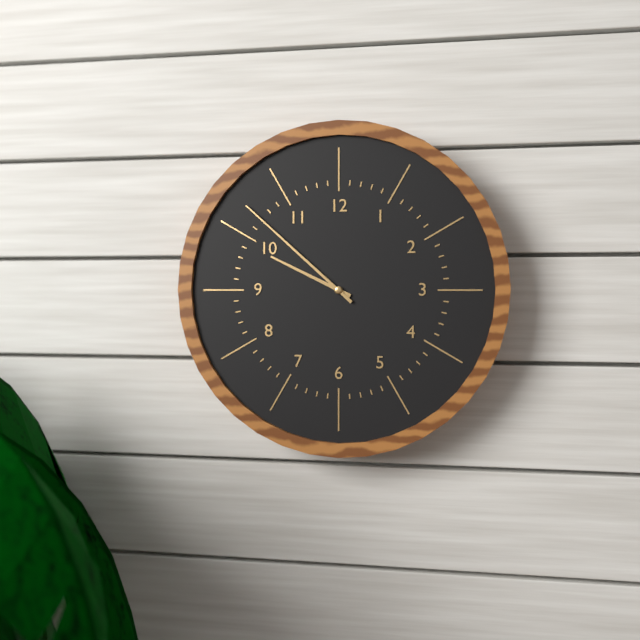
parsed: **9:52**
